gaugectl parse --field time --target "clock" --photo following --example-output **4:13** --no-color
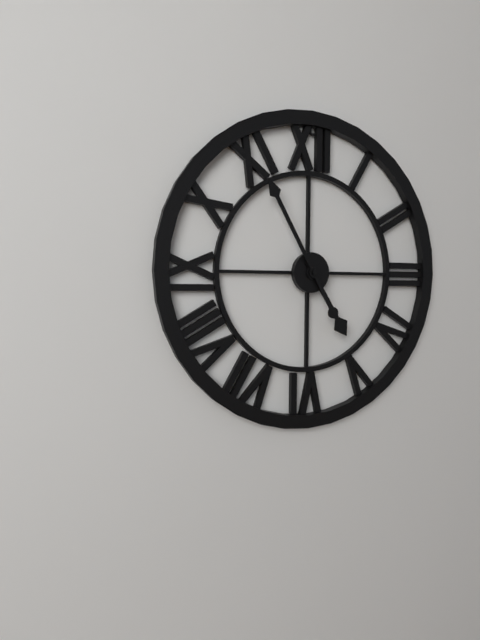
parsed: **4:55**
